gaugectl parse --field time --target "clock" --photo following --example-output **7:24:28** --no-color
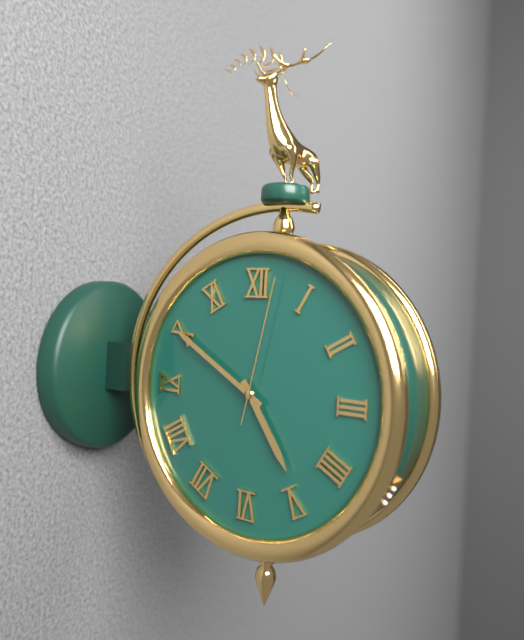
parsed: **4:50:02**
